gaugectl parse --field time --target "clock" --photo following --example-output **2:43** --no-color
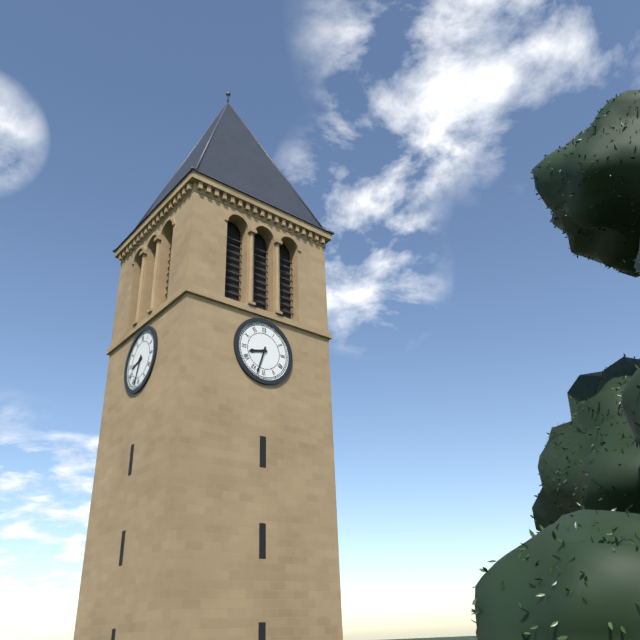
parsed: **8:33**
